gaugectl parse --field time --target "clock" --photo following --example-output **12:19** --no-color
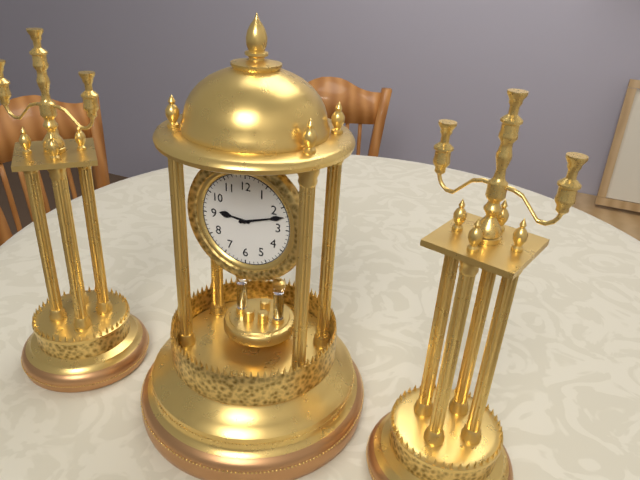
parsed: **9:12**
